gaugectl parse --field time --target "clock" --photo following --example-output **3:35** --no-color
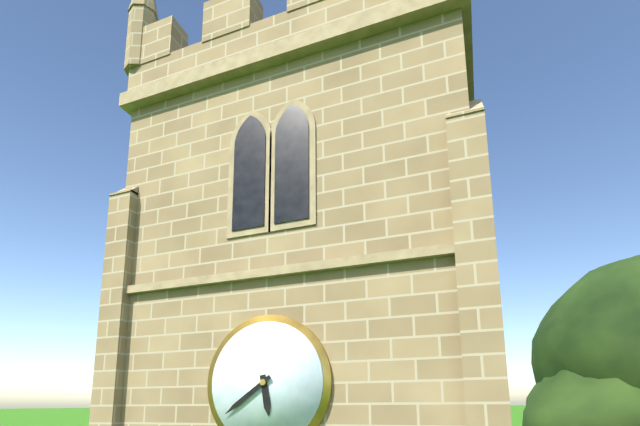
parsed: **5:39**
